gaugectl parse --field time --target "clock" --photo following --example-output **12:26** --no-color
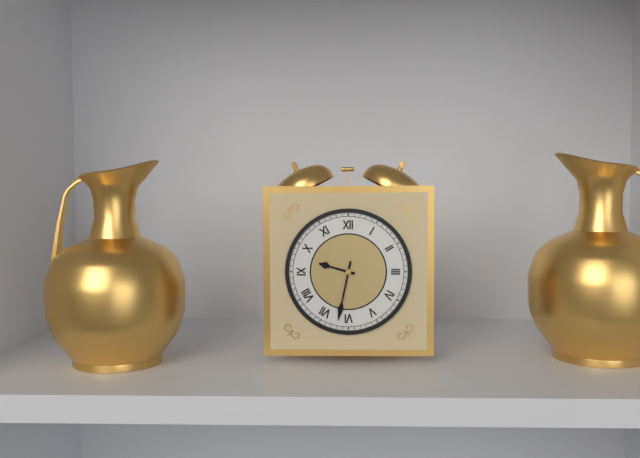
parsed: **9:32**
